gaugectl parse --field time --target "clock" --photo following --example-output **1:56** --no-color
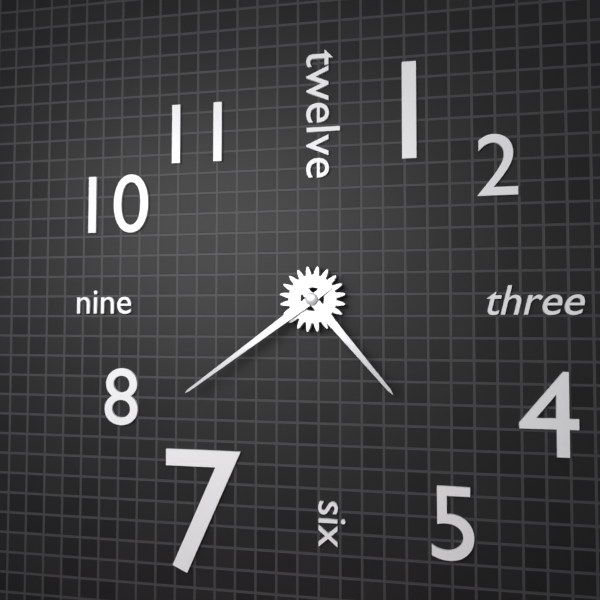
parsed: **4:39**
